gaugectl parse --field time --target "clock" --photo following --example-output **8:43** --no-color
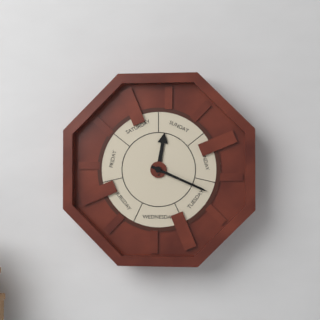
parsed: **12:19**
